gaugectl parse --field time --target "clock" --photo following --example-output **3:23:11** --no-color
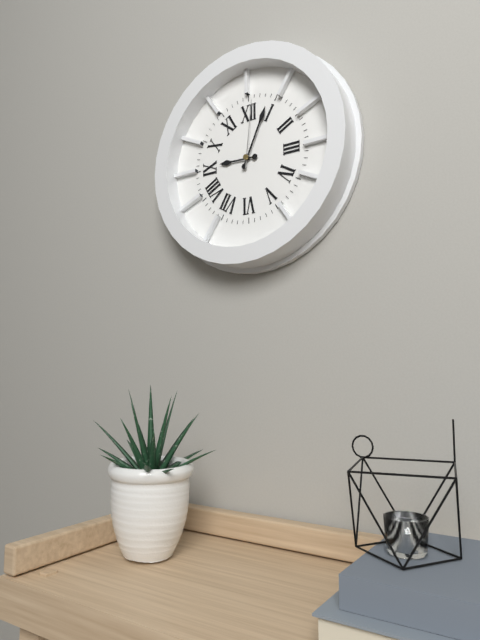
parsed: **9:04:01**
